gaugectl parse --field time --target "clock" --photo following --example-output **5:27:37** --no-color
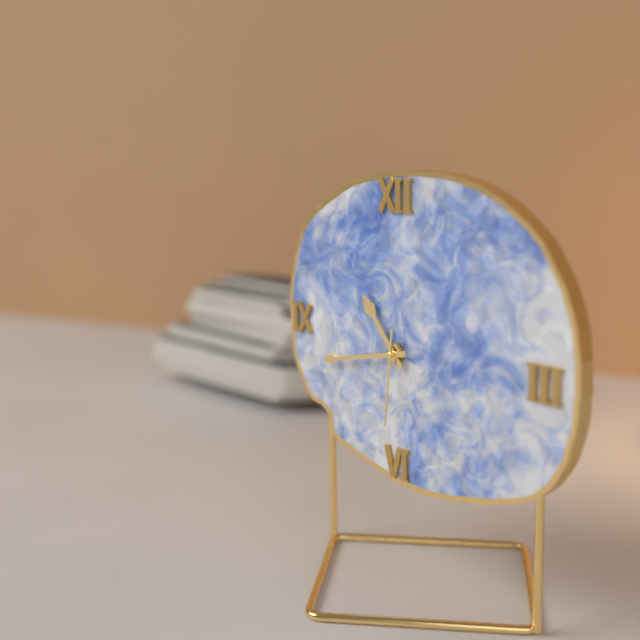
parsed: **10:43:31**
